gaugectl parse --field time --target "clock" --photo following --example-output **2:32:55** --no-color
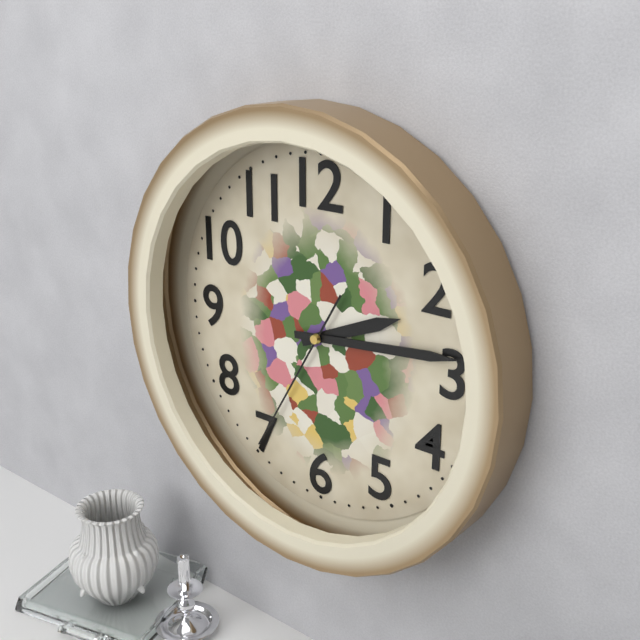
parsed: **2:14:35**
